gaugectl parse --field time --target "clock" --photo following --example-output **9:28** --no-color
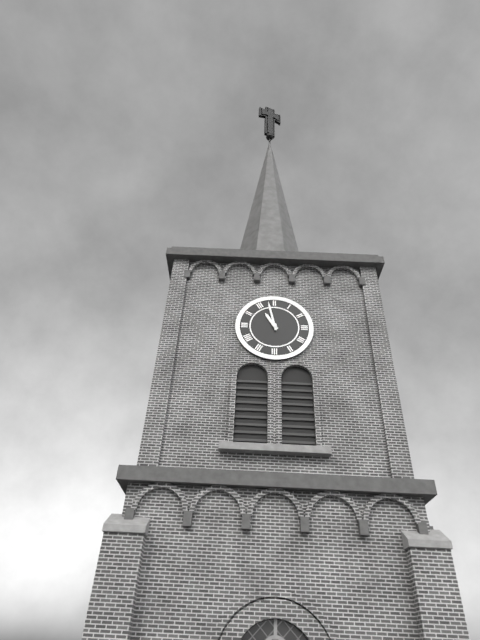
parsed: **10:58**
